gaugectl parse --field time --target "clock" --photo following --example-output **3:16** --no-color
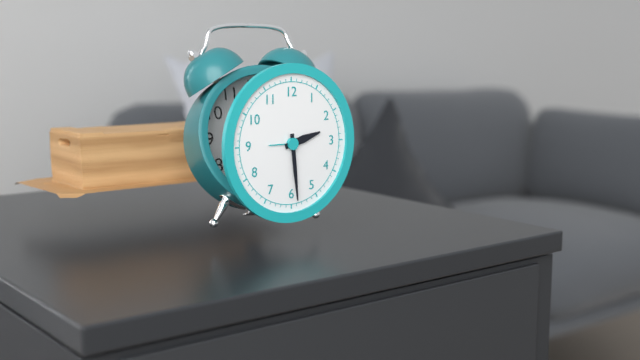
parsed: **2:29**
